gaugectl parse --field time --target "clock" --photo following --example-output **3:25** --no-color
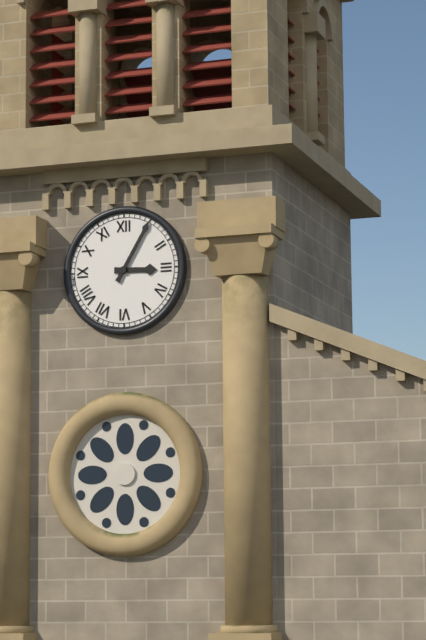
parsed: **3:05**
